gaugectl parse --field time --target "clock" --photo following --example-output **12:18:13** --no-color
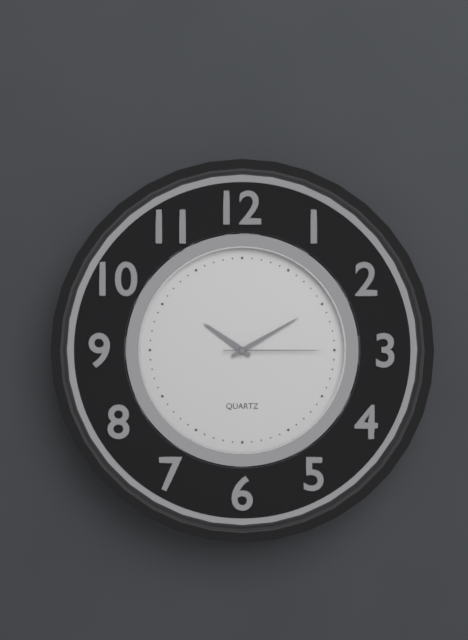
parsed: **10:10:15**
